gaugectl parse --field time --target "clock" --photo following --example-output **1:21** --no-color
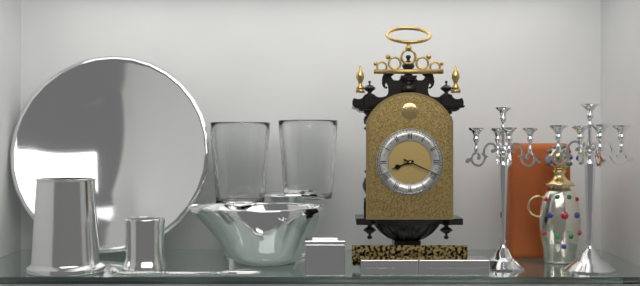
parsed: **8:19**
